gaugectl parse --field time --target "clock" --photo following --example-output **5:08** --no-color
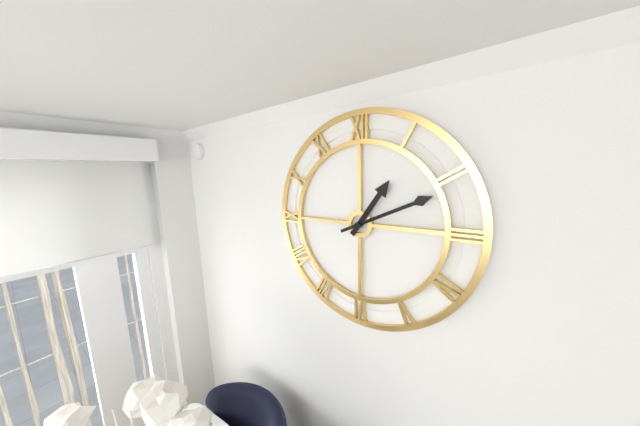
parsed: **1:11**
